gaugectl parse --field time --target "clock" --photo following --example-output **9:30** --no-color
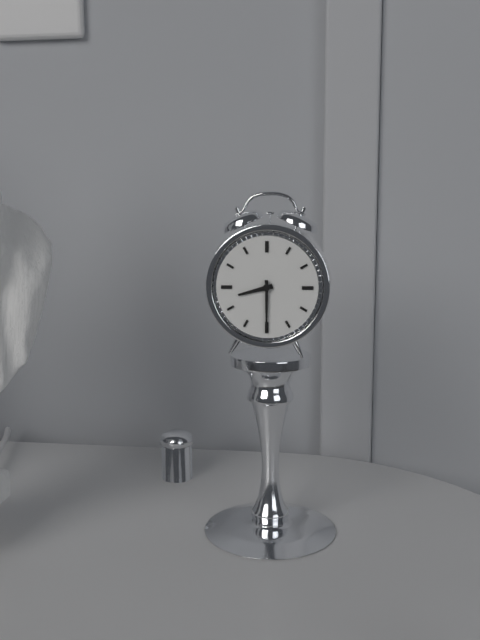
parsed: **8:30**
